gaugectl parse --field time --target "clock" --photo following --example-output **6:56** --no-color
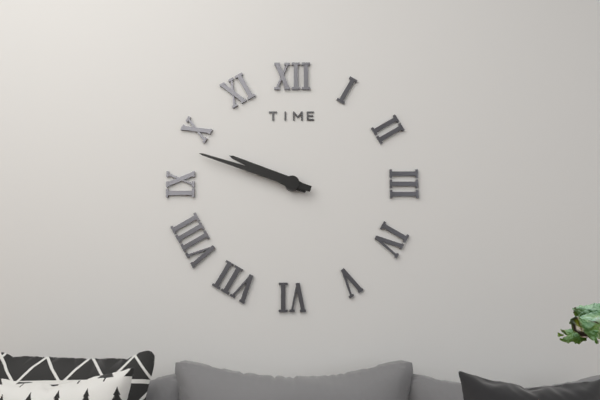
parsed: **9:48**
